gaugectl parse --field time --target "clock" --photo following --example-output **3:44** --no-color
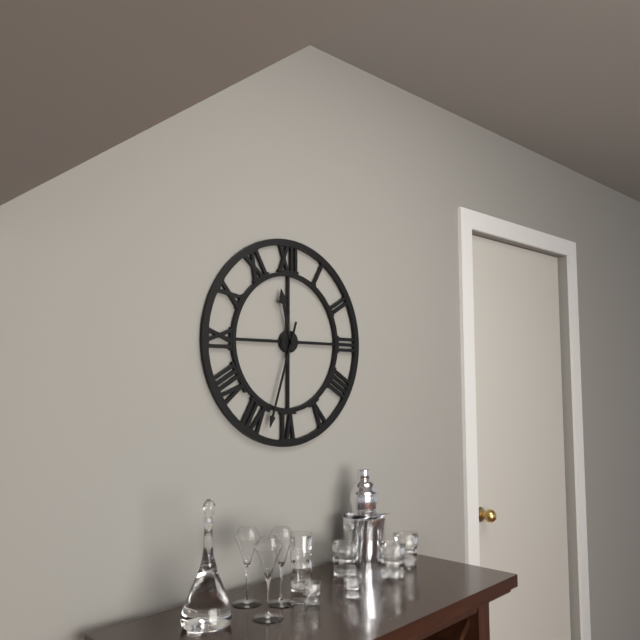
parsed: **11:33**
